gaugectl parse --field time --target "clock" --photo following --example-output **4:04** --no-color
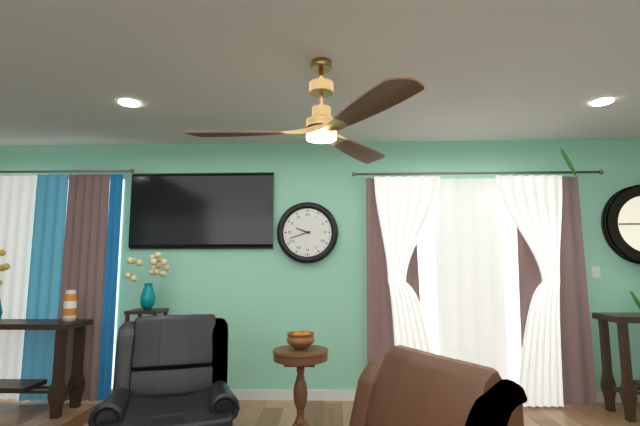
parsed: **9:42**
